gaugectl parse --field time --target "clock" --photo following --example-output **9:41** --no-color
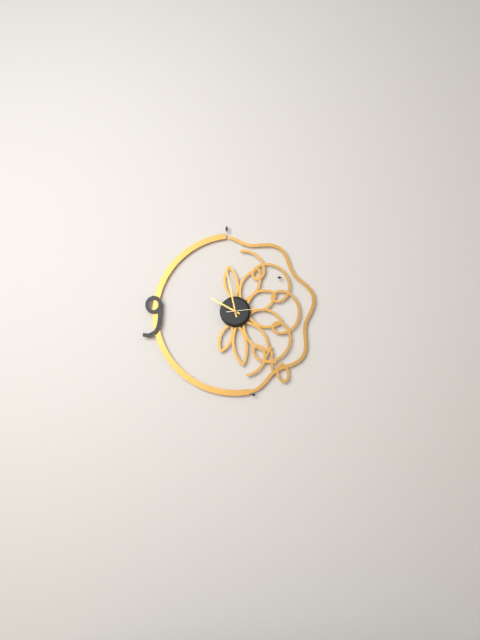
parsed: **9:58**
